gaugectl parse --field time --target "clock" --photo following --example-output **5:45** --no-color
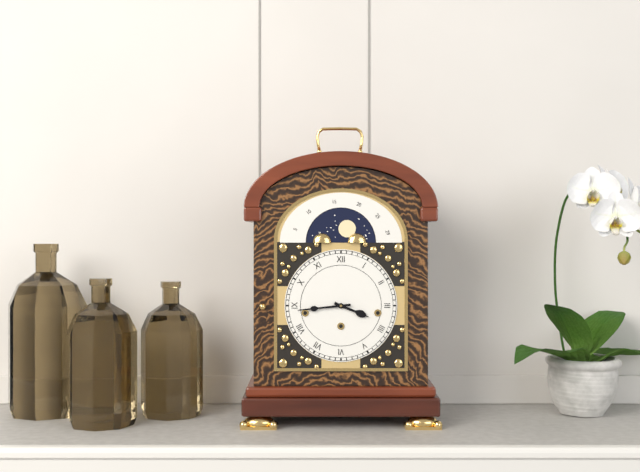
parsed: **3:44**
